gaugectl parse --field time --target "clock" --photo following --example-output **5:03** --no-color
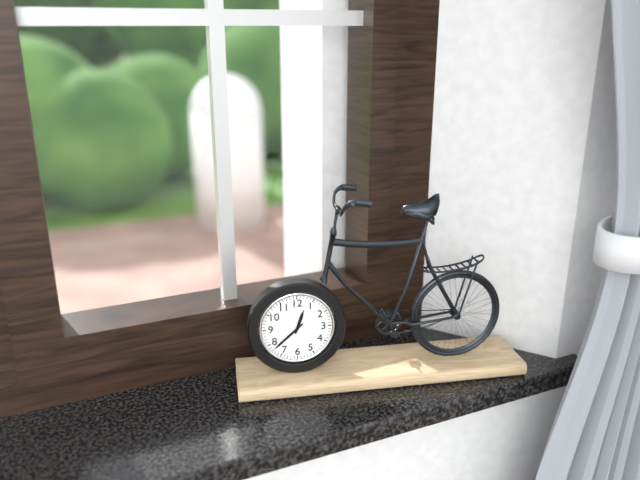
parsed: **12:38**
